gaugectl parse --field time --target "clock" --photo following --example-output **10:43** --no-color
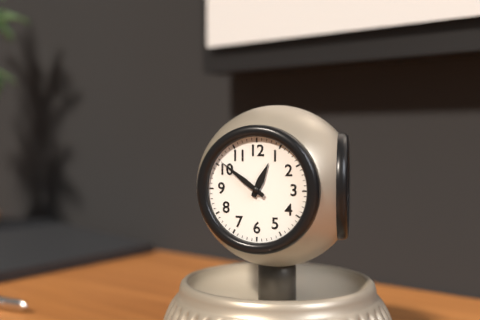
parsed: **12:51**
